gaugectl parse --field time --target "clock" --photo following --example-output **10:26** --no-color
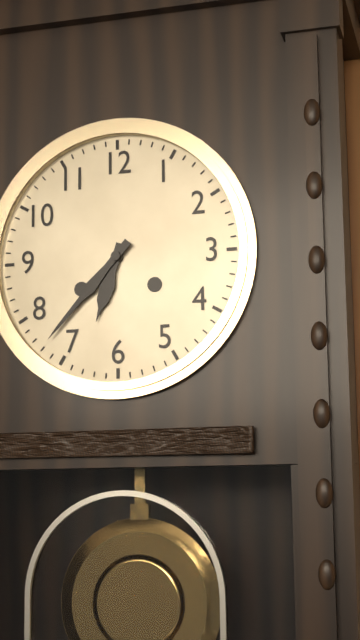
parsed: **6:37**
